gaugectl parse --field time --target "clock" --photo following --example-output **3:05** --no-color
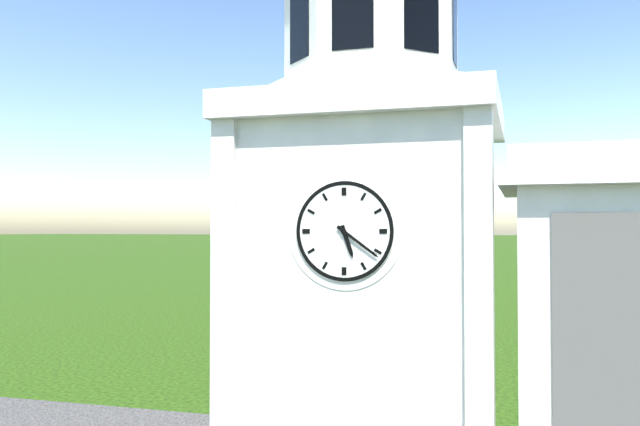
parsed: **5:21**
